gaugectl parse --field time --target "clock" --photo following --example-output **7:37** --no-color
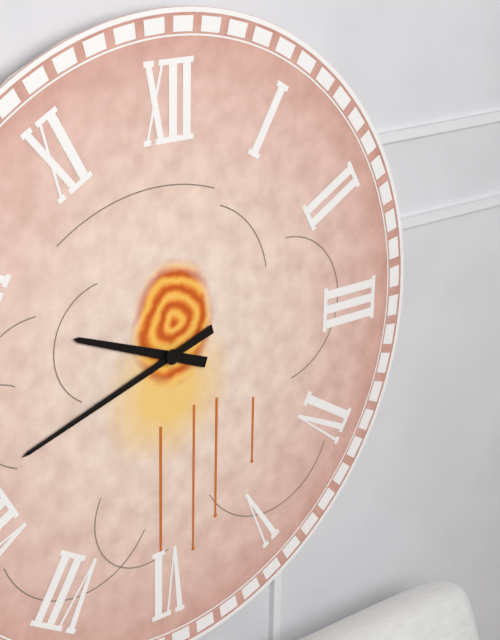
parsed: **9:42**
